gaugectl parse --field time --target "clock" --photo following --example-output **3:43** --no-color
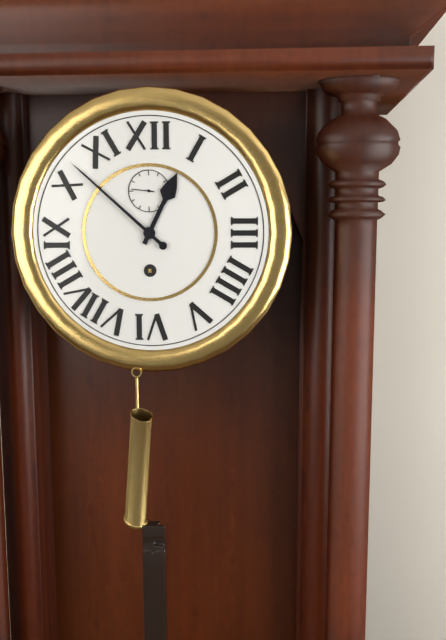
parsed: **12:52**
